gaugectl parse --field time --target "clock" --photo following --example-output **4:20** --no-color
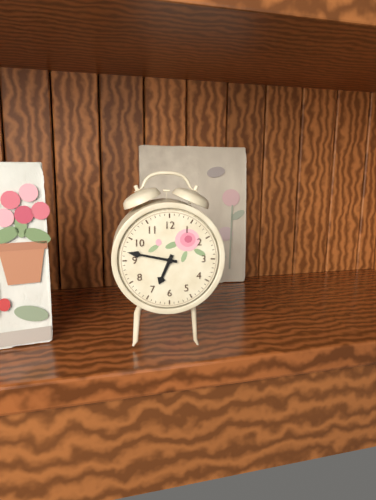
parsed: **6:47**
